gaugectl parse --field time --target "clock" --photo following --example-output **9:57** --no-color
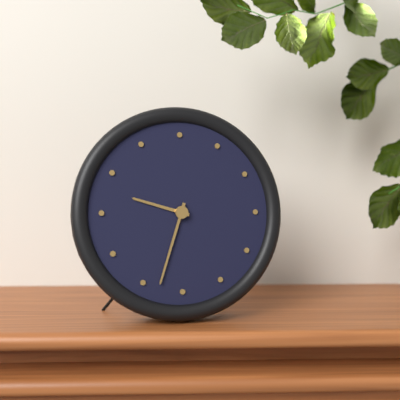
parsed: **9:33**
